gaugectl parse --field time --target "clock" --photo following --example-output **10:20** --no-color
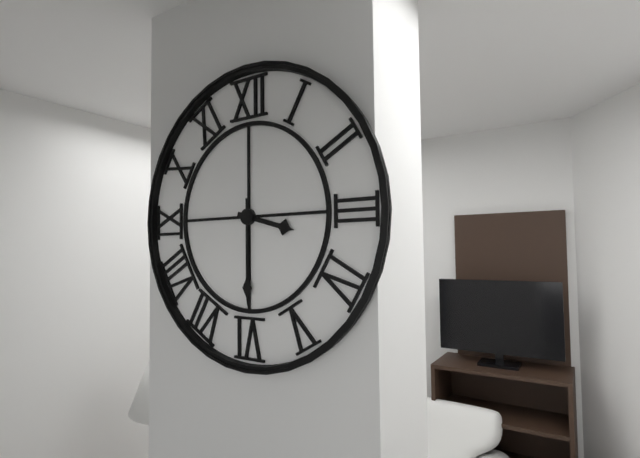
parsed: **3:30**
